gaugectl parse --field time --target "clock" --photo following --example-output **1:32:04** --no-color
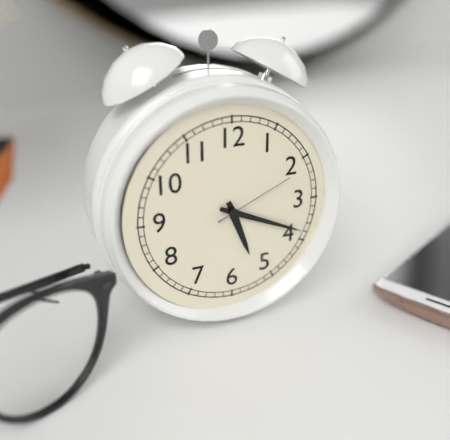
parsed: **5:19:11**
